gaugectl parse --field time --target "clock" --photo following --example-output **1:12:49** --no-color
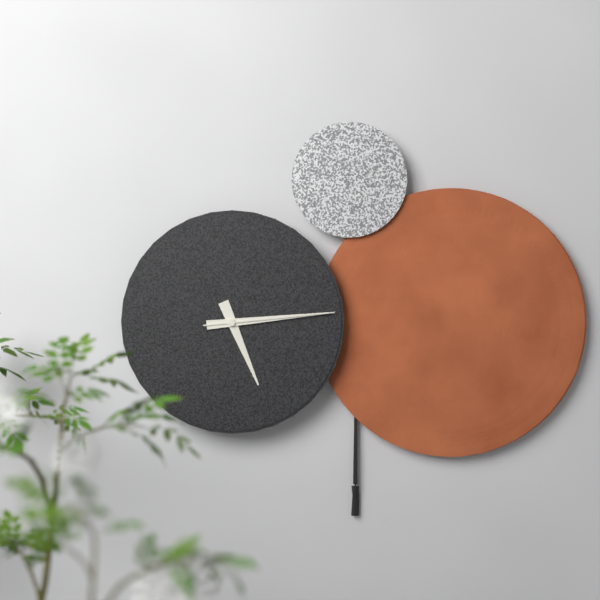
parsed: **5:14:14**
